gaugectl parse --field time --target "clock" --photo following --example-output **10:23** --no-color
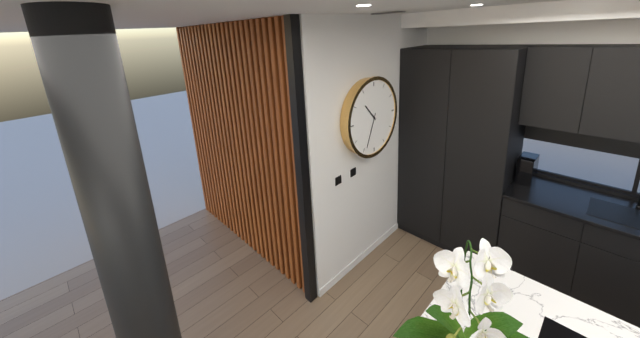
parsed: **10:34**
